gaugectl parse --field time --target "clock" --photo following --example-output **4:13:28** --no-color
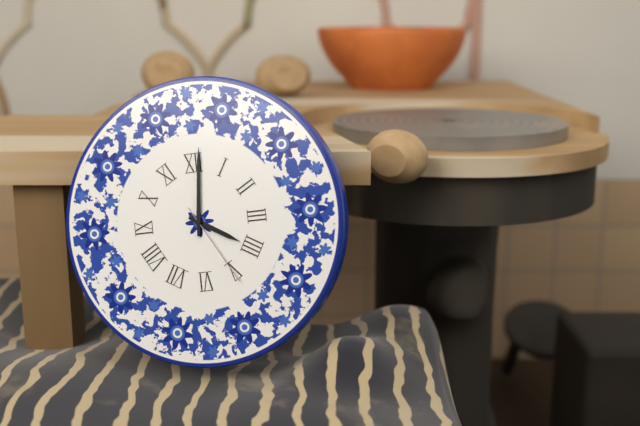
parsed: **4:01:25**
